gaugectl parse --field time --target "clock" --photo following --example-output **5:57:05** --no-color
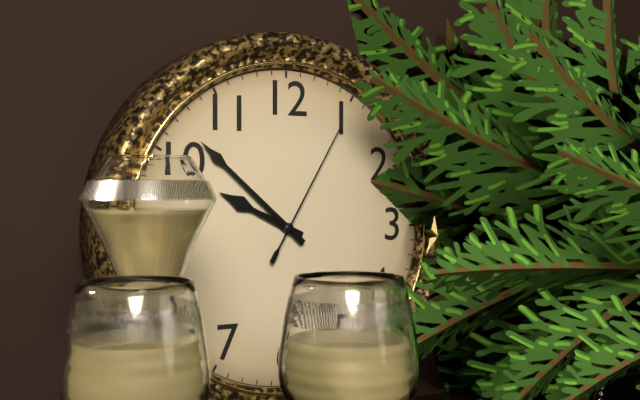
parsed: **9:52:05**
